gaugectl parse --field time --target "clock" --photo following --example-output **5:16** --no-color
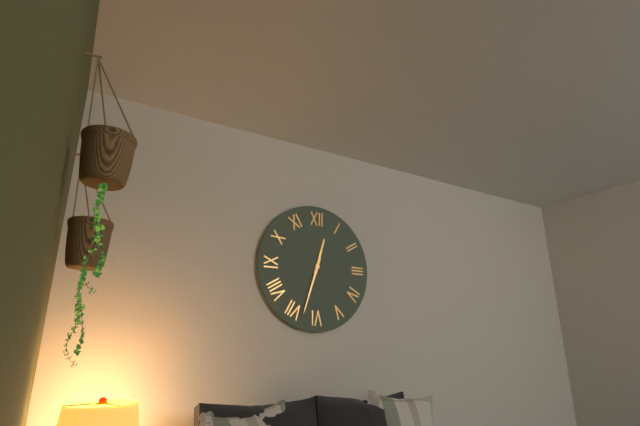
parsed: **12:33**
